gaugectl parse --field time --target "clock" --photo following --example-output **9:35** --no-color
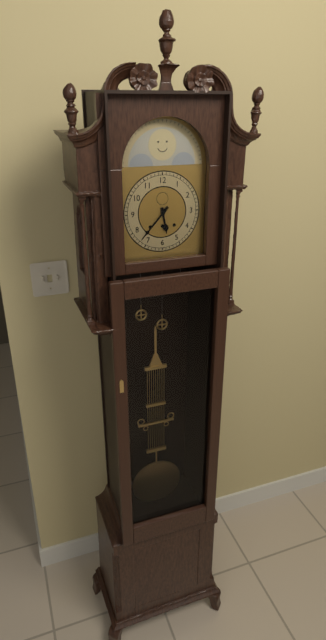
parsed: **5:37**
